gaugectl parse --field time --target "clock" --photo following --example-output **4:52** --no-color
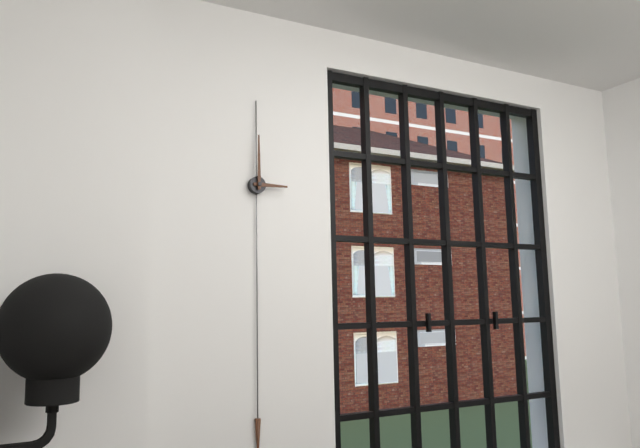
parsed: **3:00**
